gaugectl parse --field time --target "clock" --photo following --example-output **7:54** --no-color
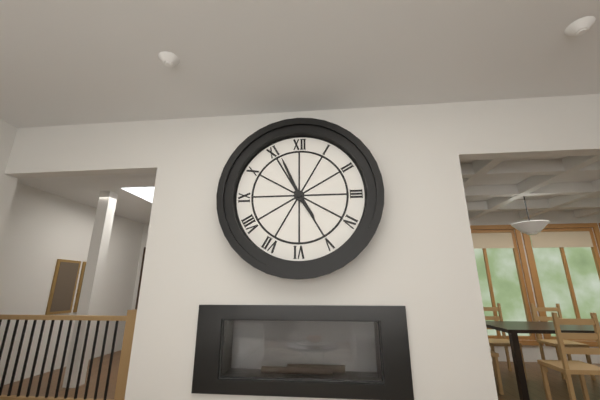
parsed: **4:56**
